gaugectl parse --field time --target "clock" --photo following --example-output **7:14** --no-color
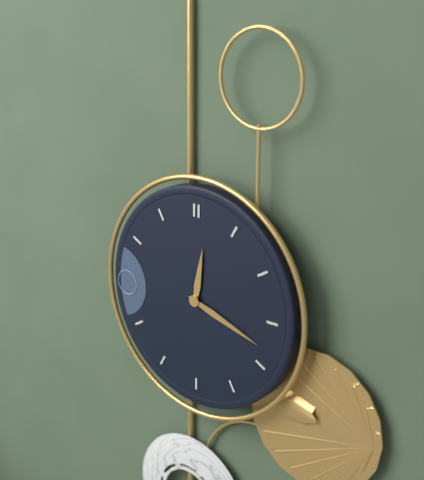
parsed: **12:18**
